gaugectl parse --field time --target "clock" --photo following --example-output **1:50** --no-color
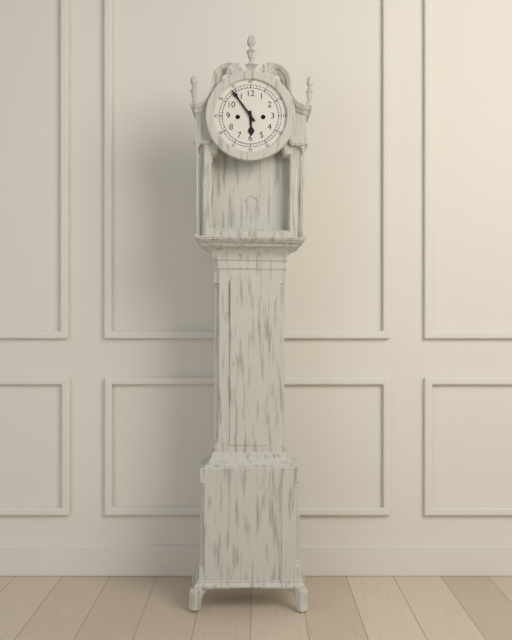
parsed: **5:54**
